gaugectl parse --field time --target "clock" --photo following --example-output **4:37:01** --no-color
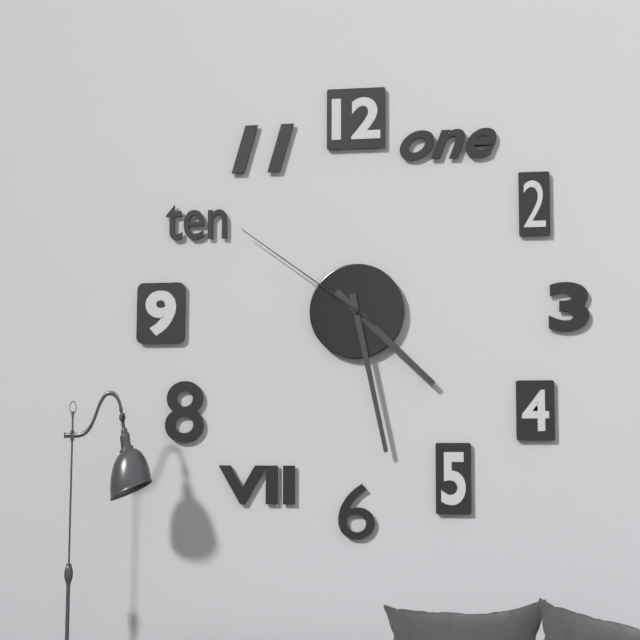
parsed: **4:28:51**
